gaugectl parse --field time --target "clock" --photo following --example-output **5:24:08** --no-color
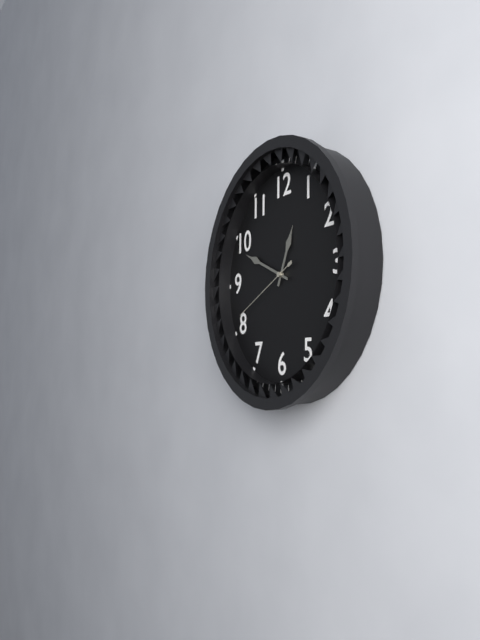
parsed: **12:49:41**
